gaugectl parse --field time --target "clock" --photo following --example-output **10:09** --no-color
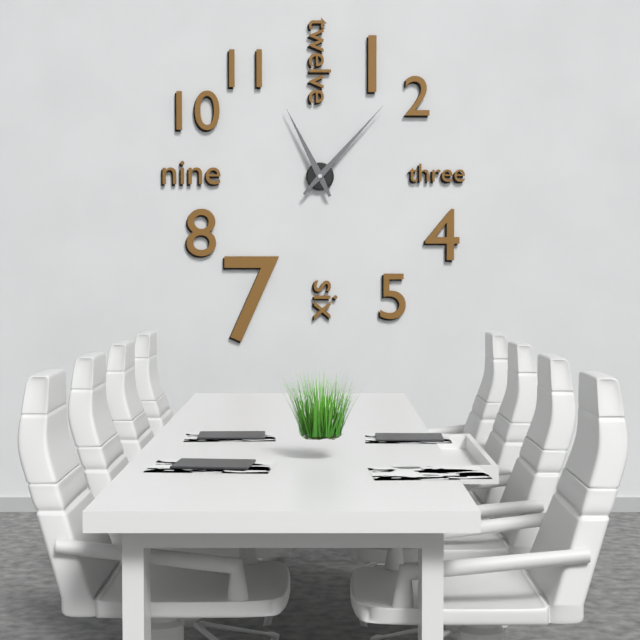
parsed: **11:07**
